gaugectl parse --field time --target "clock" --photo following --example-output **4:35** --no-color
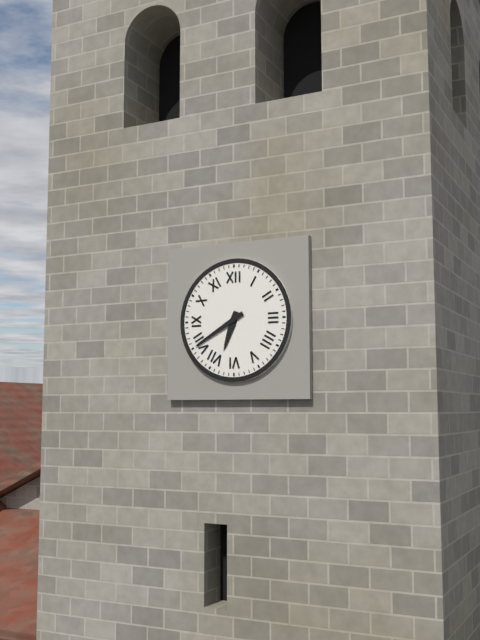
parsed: **6:40**
